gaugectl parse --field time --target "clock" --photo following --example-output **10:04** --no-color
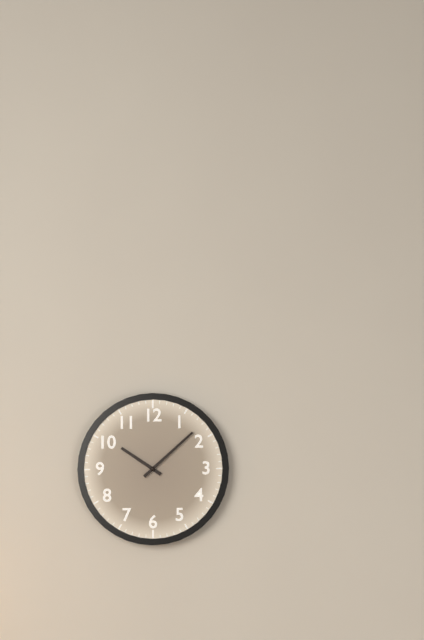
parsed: **10:08**
